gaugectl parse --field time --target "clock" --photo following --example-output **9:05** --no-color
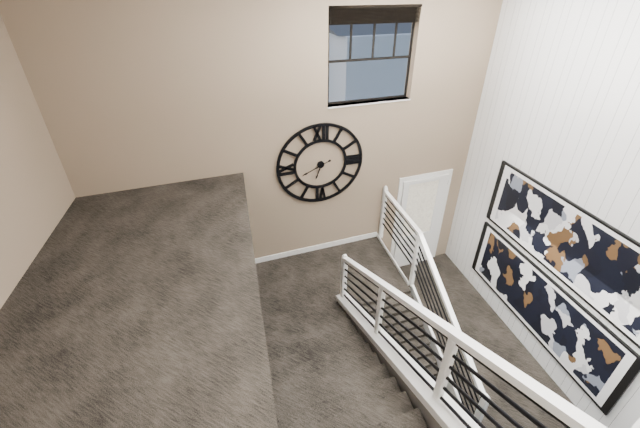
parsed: **6:41**
